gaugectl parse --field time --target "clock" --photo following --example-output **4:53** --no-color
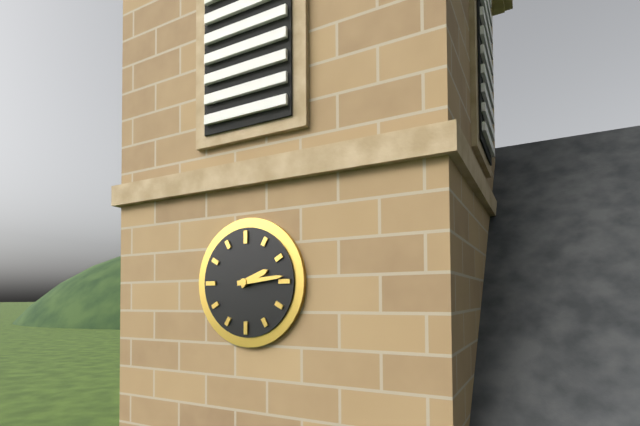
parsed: **2:14**
